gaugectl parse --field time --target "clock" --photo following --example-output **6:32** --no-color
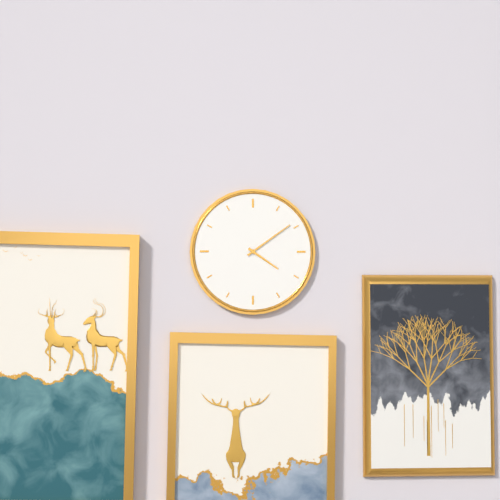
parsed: **4:09**
